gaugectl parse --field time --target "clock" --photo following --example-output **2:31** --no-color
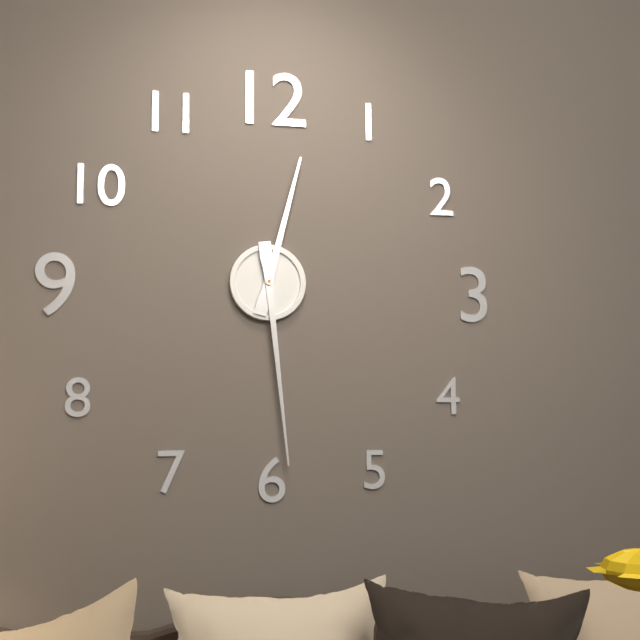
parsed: **12:29**
